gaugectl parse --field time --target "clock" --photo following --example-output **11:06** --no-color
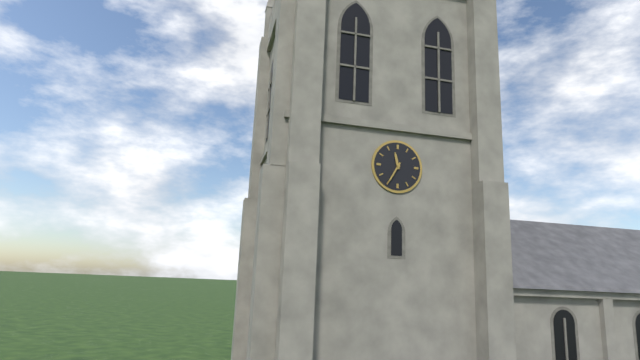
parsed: **11:35**
